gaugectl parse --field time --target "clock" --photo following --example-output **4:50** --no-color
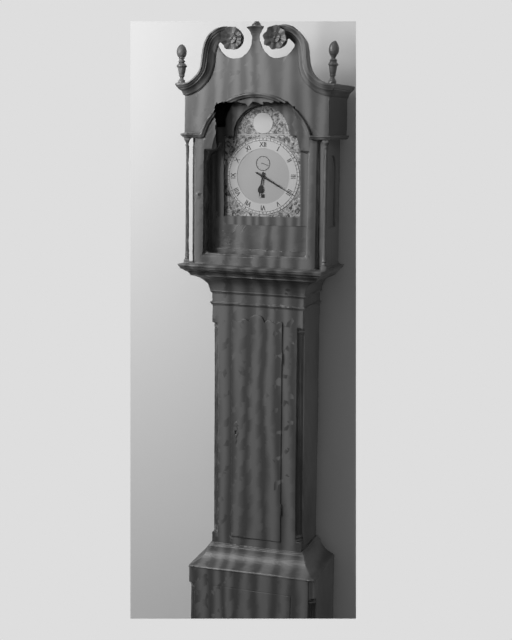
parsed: **6:20**
